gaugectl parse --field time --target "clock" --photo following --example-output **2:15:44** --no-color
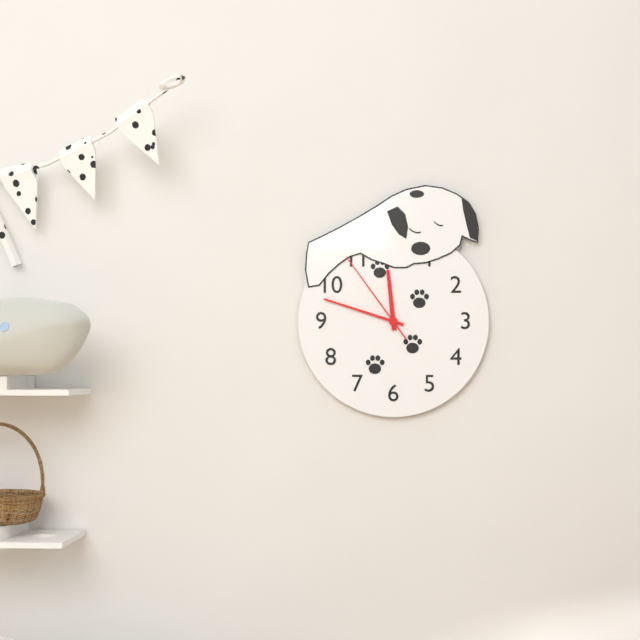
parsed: **11:48:54**
